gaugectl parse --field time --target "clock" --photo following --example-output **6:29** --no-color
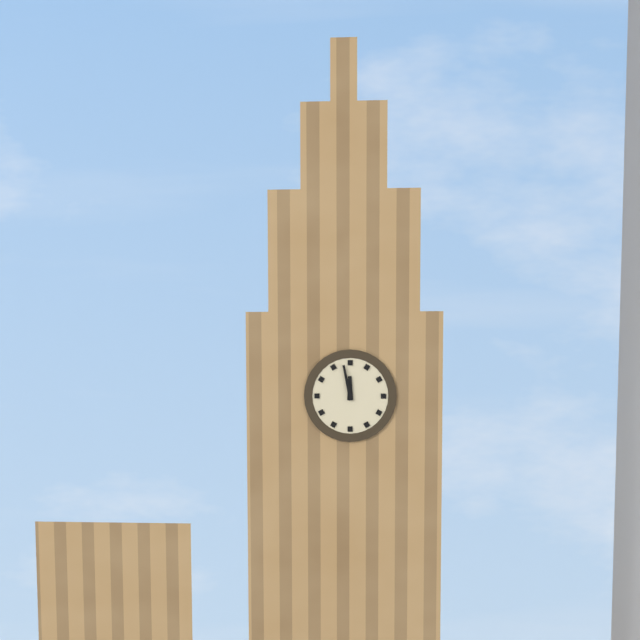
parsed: **11:58**
